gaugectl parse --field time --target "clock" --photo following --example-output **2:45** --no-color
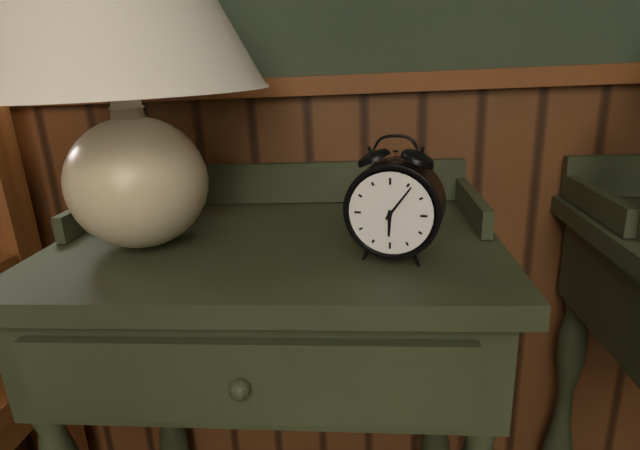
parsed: **6:06**
